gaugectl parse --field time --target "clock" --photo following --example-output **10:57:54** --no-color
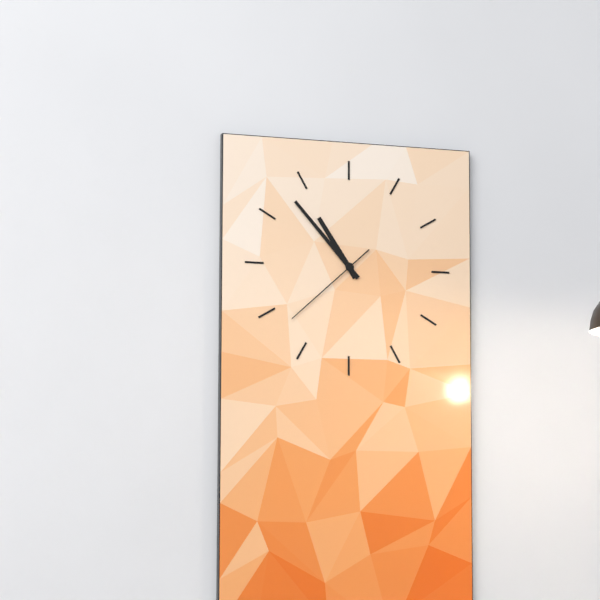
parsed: **10:53:38**
